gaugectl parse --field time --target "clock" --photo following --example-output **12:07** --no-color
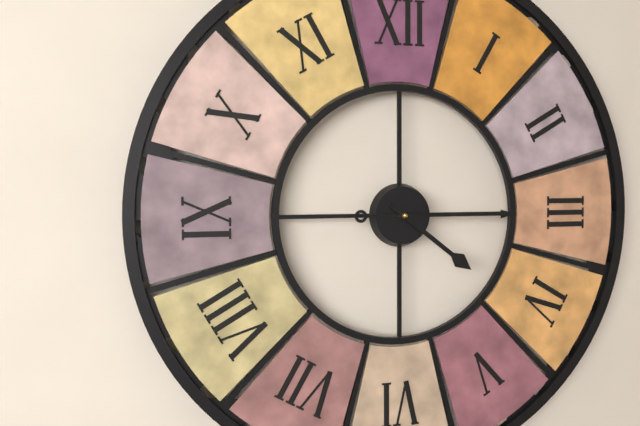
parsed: **4:15**
